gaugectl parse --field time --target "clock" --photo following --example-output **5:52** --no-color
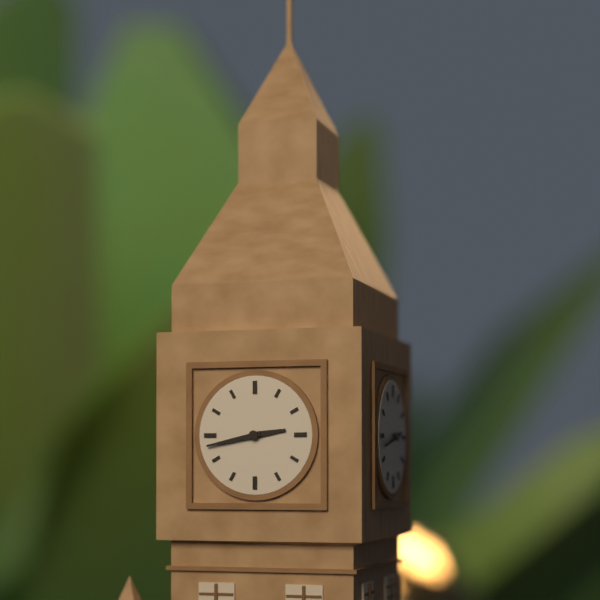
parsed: **2:43**
